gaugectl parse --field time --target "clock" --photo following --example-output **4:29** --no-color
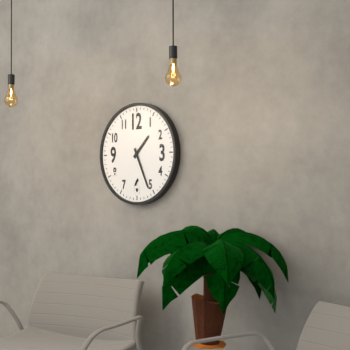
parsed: **1:26**
